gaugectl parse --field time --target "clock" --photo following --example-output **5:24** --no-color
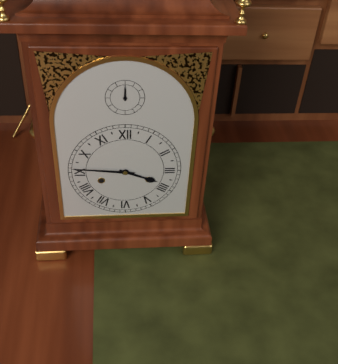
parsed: **3:46**
